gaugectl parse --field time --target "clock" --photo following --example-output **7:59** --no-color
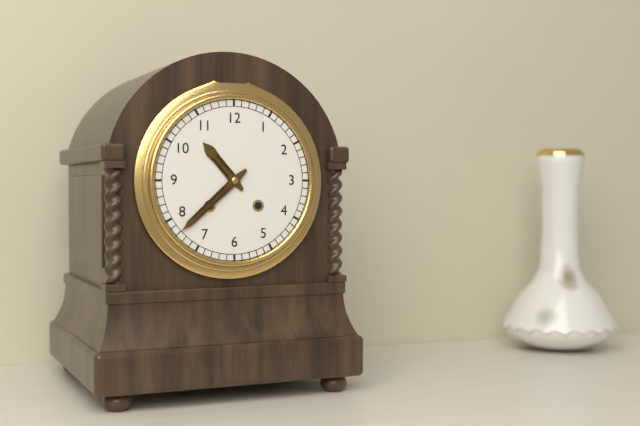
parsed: **10:38**
